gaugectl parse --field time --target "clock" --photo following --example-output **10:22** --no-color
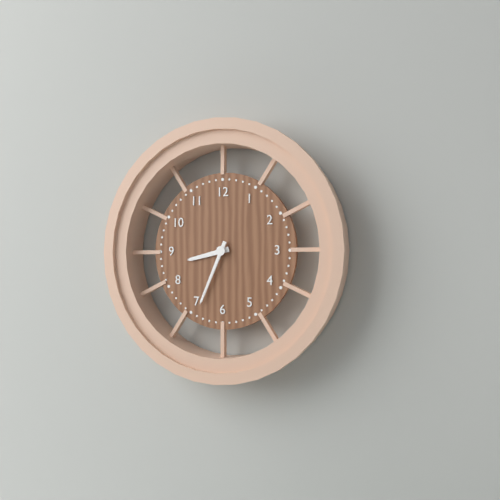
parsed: **8:34**
